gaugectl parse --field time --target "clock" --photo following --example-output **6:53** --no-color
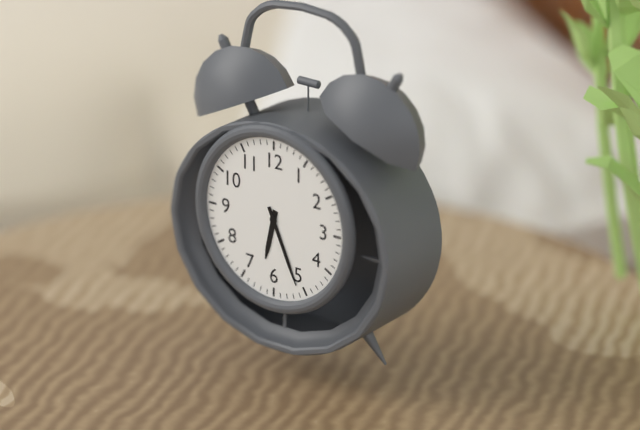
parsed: **6:26**
